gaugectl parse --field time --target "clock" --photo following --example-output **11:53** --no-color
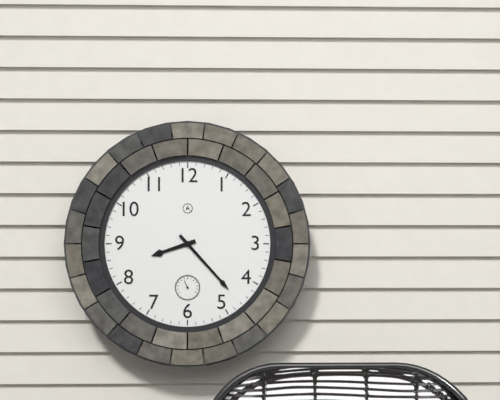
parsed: **8:23**
